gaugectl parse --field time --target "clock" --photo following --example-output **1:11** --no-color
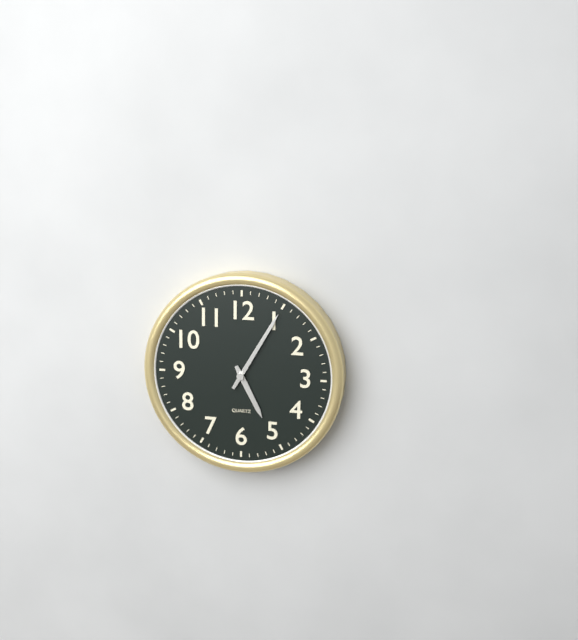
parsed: **5:05**
